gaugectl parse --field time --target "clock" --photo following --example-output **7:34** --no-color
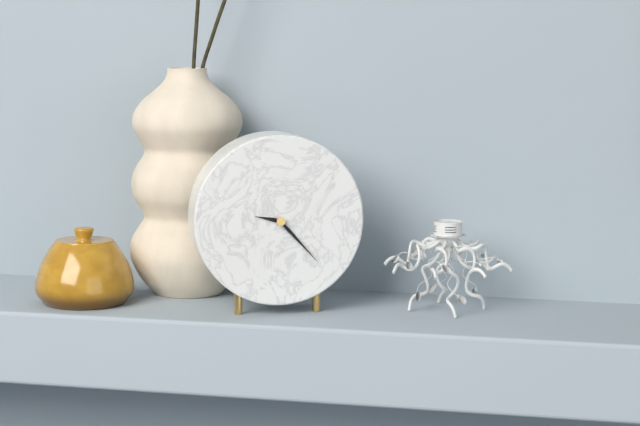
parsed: **9:23**
